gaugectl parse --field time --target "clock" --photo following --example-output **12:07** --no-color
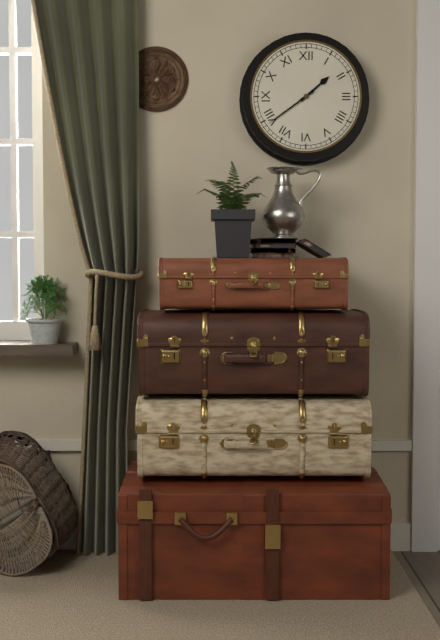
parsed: **1:39**
